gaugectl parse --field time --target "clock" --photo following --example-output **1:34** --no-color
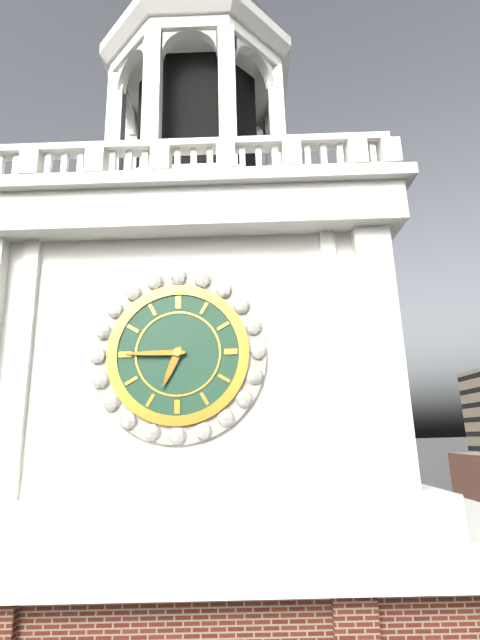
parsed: **6:45**
